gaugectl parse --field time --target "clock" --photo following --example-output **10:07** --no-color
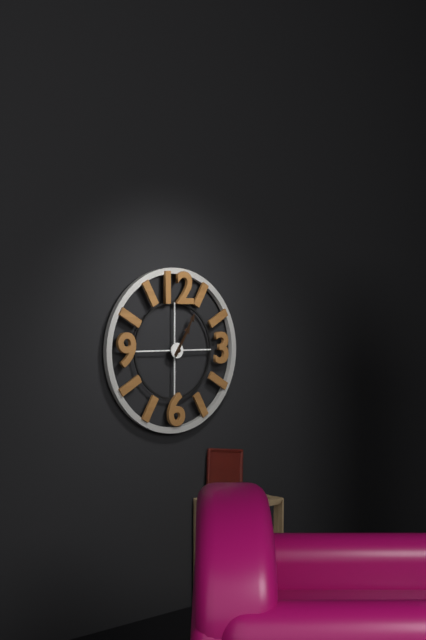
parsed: **1:05**
